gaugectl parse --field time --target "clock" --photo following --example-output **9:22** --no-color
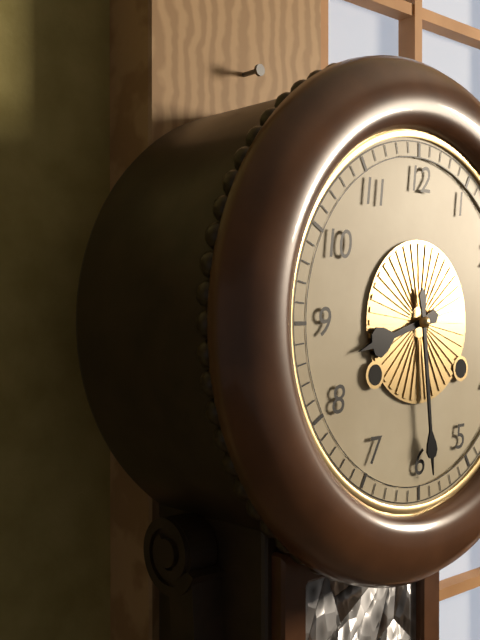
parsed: **8:29**
